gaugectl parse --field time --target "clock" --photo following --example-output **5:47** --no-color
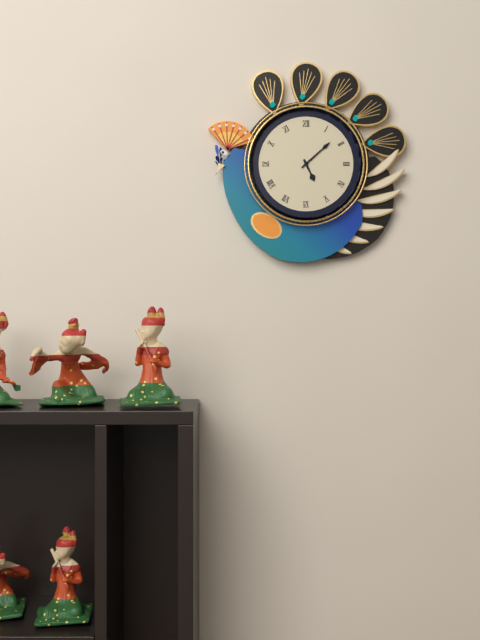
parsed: **5:08**
